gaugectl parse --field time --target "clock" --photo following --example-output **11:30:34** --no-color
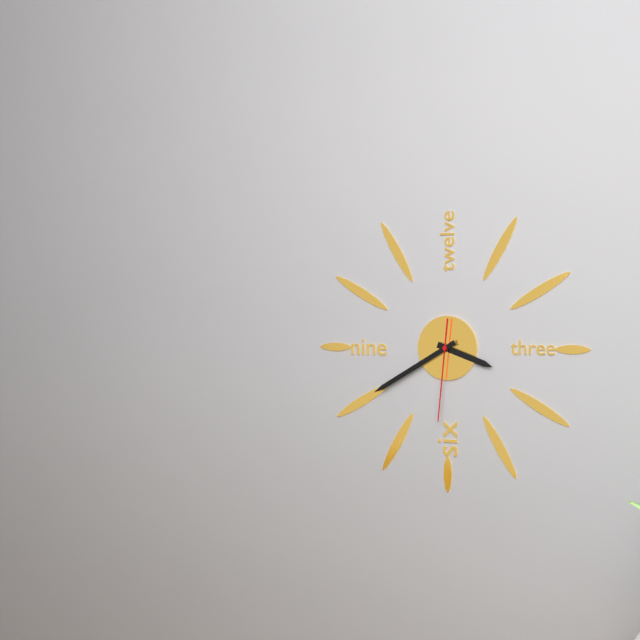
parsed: **3:40:31**
